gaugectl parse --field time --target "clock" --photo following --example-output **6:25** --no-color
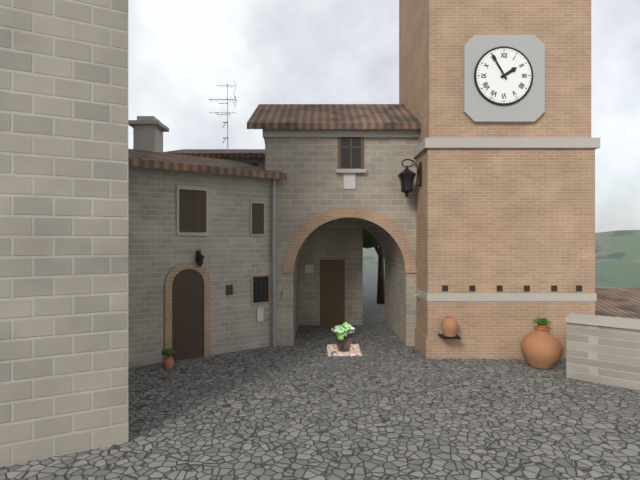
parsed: **1:55**
